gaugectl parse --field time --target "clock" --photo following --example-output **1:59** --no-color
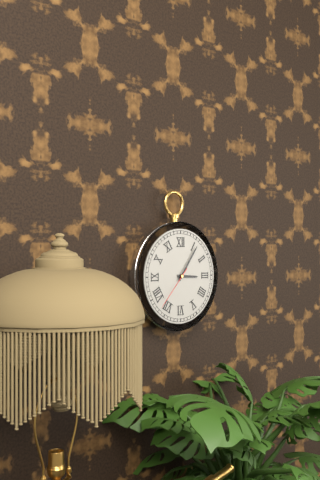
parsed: **3:06**
